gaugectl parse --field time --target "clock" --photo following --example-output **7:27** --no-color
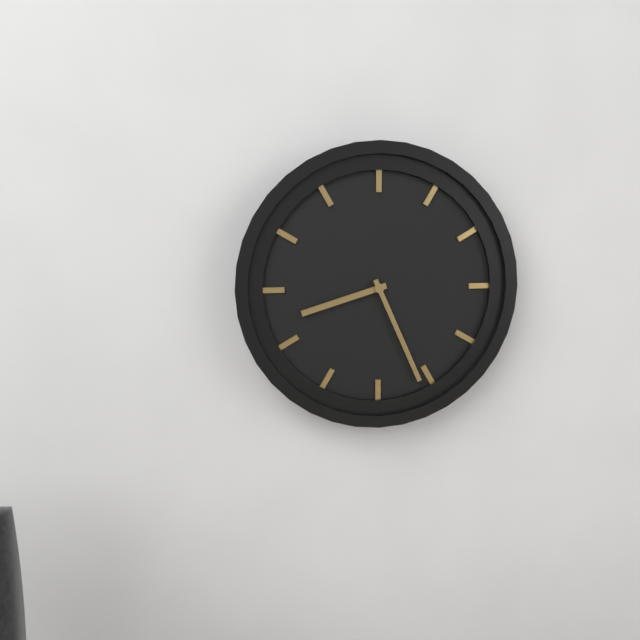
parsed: **8:26**
